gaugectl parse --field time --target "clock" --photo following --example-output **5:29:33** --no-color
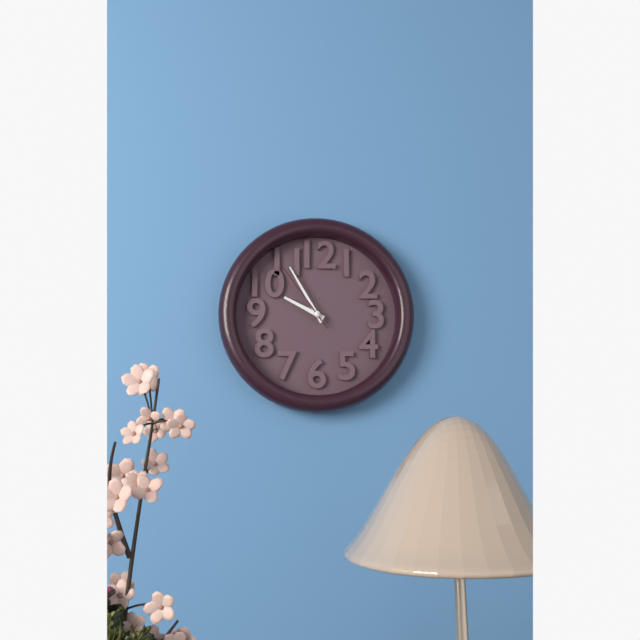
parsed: **9:55:54**
